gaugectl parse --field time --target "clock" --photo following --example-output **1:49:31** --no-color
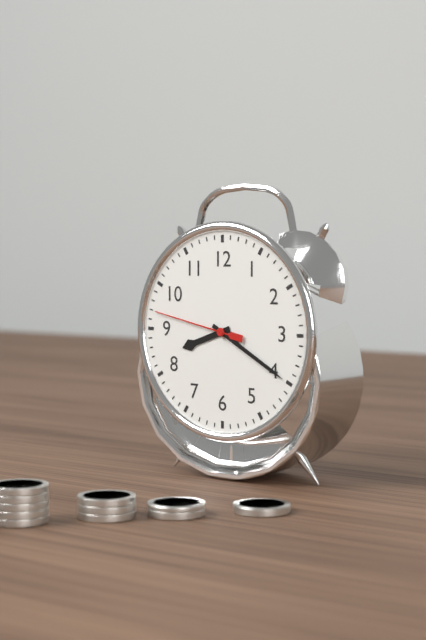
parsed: **8:20:47**
